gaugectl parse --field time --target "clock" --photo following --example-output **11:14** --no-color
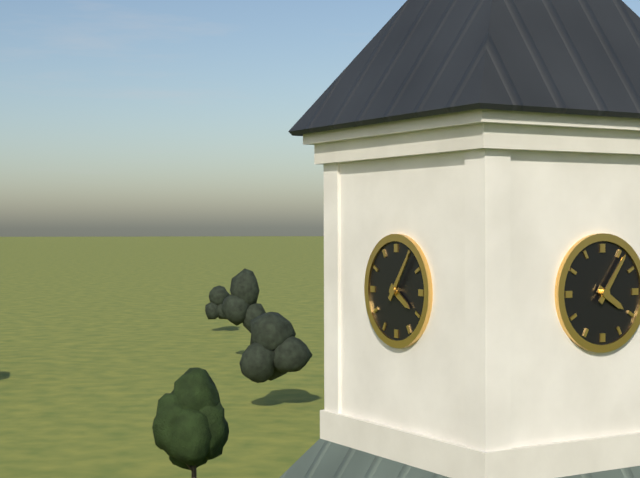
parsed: **4:06**
